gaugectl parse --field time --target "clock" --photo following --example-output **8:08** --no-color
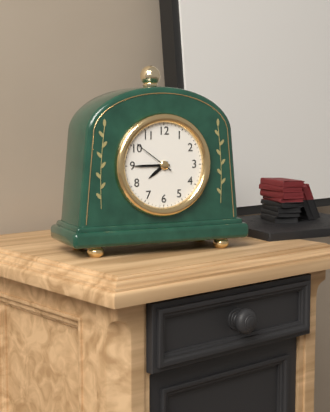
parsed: **7:45**
